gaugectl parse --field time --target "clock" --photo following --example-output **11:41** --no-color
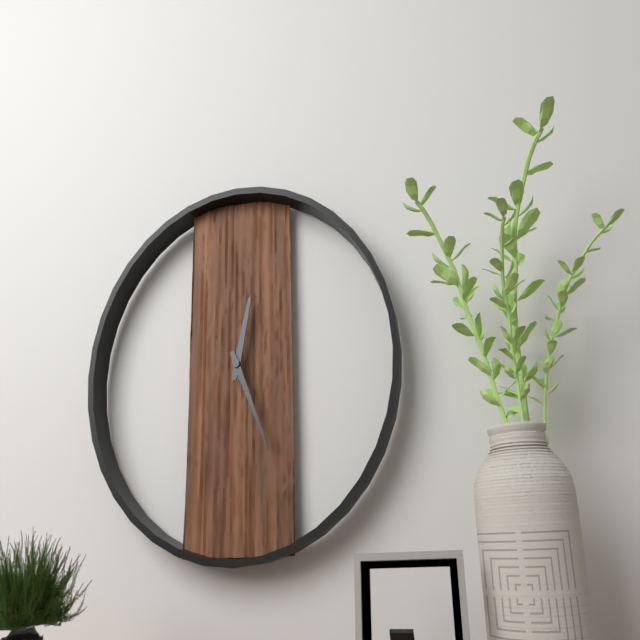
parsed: **12:26**
